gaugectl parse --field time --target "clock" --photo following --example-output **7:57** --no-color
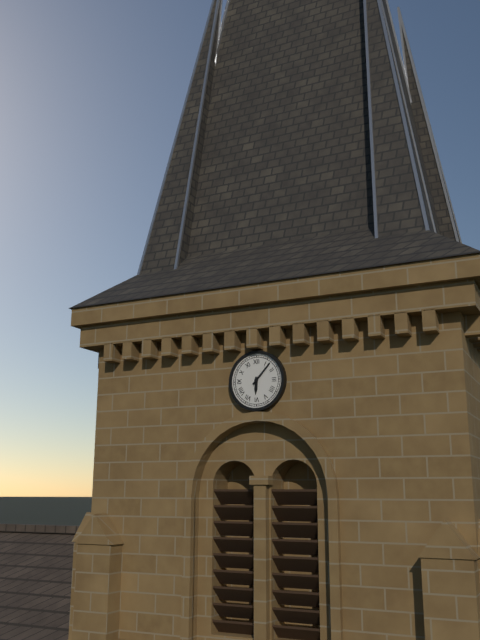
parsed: **6:07**
